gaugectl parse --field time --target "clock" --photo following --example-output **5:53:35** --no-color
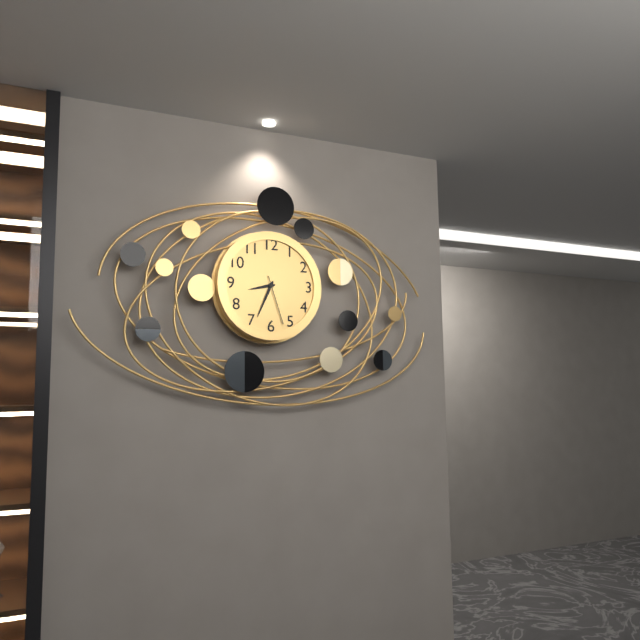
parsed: **8:34:27**
